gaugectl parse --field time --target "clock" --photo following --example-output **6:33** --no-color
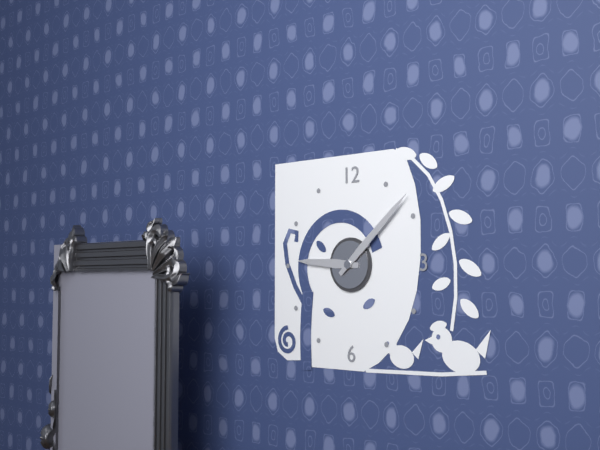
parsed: **9:08**
